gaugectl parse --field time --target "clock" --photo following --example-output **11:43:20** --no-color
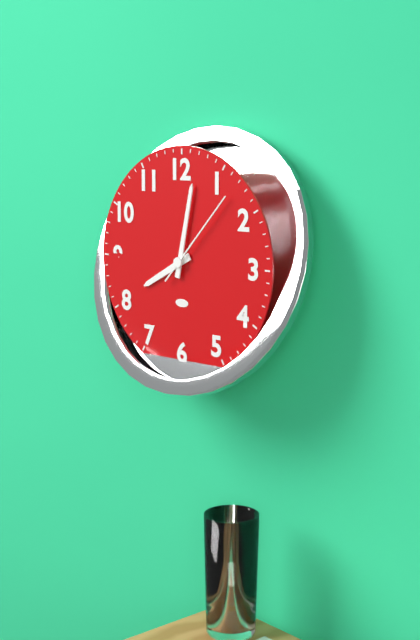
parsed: **8:02:07**
